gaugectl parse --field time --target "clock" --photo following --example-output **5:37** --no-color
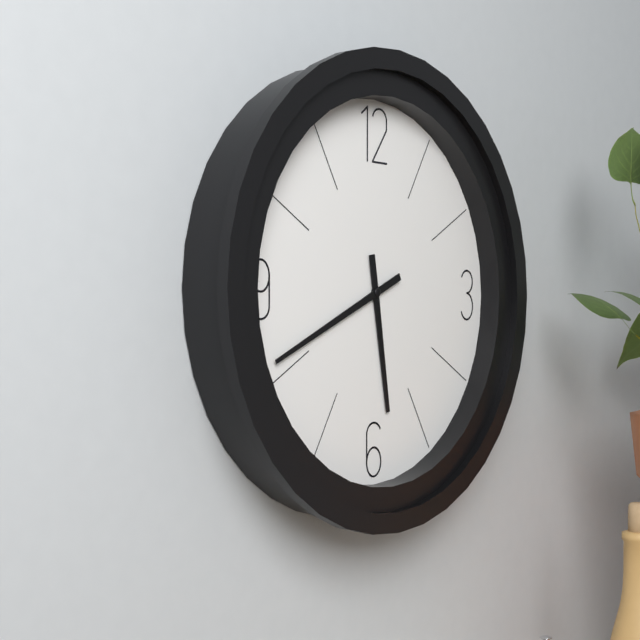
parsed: **5:41**
